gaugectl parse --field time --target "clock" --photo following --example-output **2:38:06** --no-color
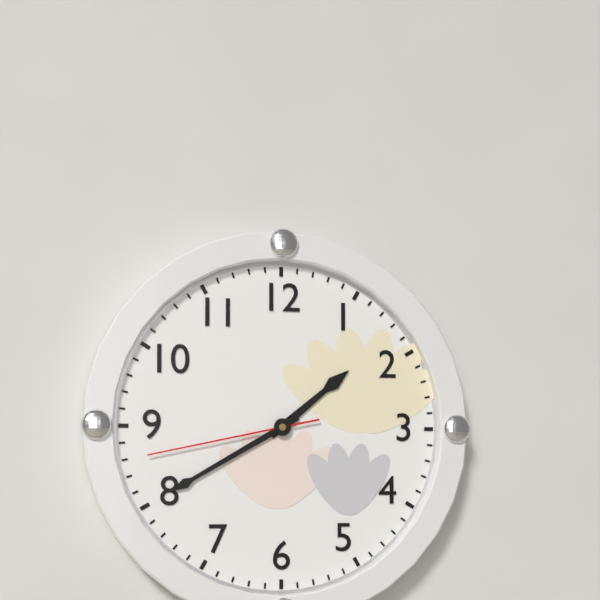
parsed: **1:40:43**
